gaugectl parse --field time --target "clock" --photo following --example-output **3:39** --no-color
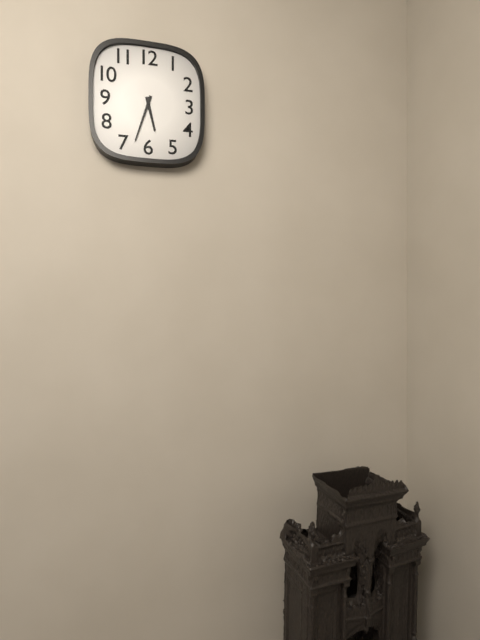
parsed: **5:33**
